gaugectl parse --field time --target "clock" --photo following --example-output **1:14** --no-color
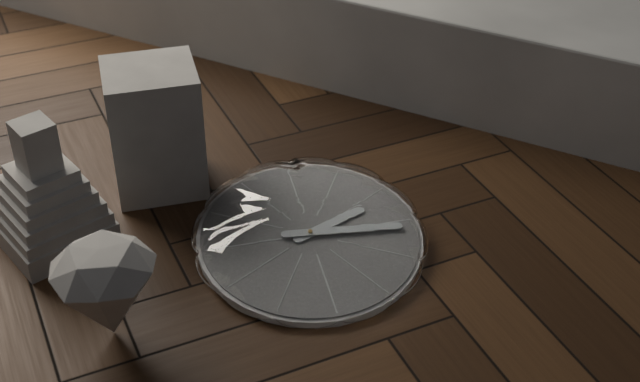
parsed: **2:16**
